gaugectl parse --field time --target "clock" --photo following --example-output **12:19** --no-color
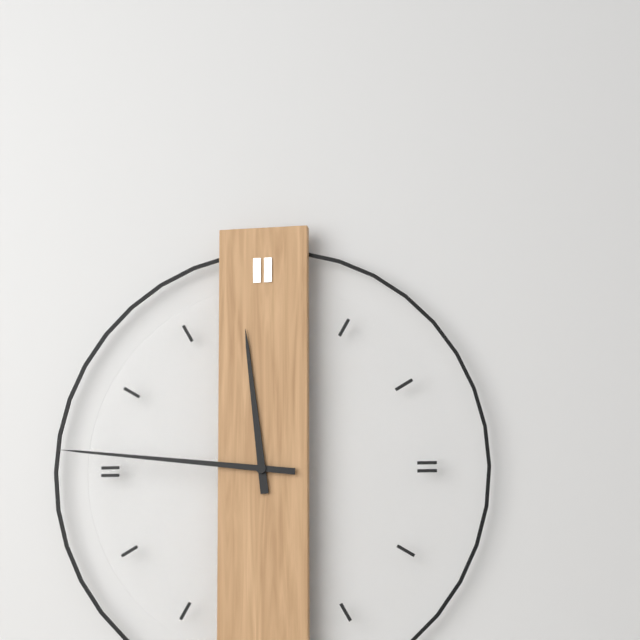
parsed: **11:46**
